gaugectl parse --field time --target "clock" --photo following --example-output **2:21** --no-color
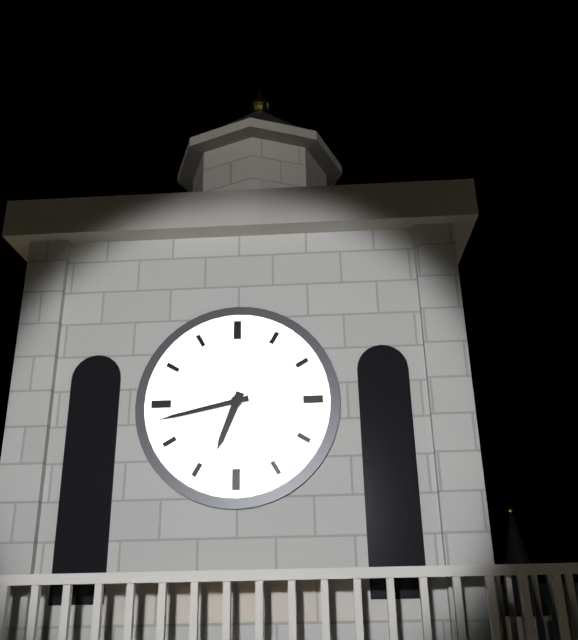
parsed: **6:43**
